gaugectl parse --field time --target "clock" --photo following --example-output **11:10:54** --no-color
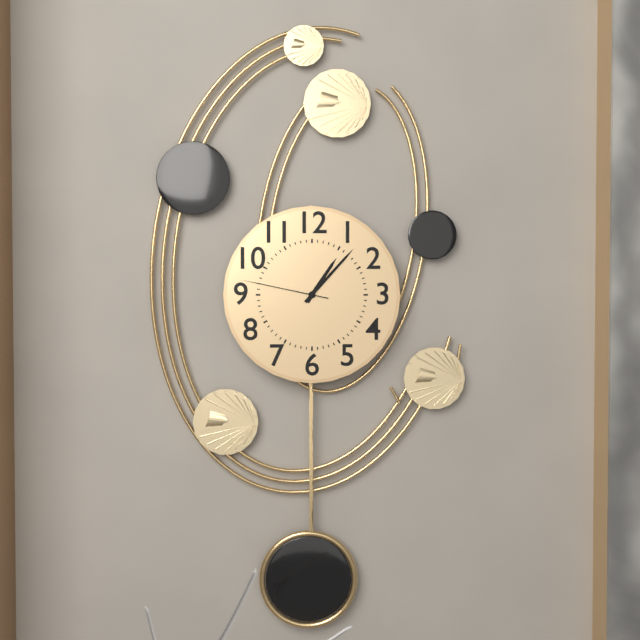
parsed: **1:07:47**
